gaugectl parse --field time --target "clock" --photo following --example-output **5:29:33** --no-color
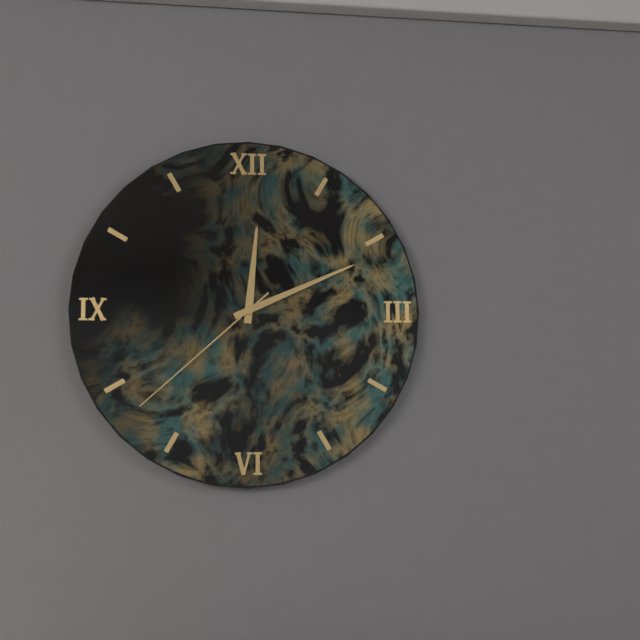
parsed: **12:11:38**
